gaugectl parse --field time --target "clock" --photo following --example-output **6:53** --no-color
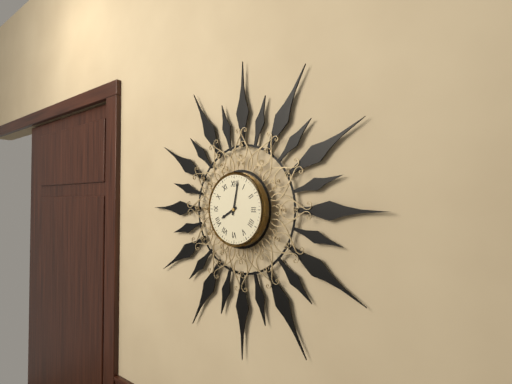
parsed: **8:02**
